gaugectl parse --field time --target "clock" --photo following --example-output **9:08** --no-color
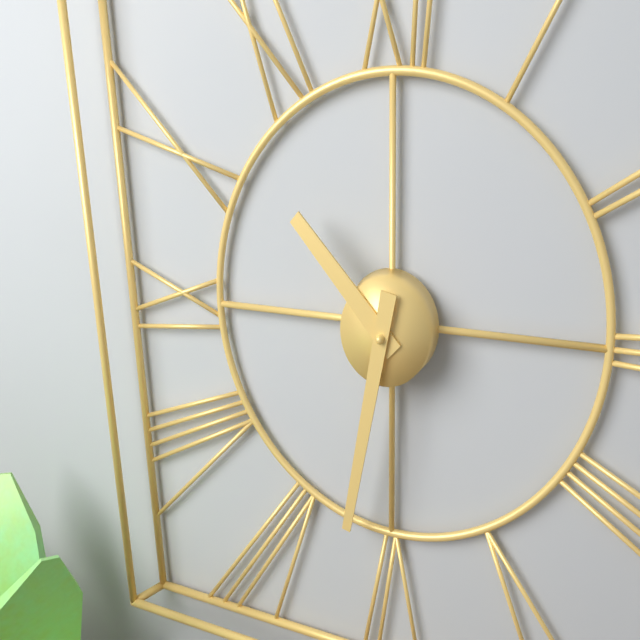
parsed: **10:32**
